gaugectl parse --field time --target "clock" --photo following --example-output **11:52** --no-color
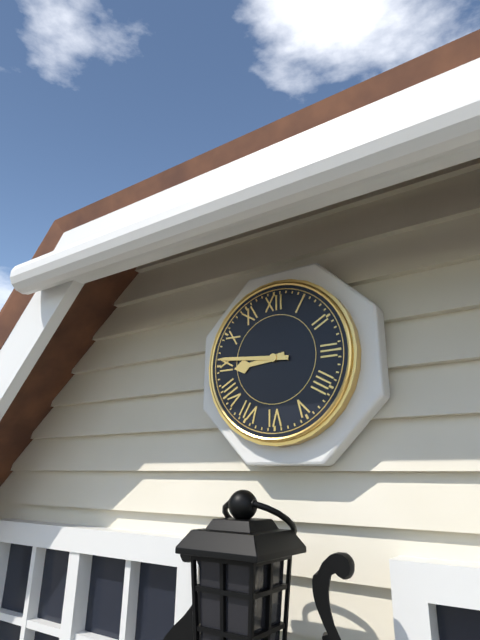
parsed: **8:46**
